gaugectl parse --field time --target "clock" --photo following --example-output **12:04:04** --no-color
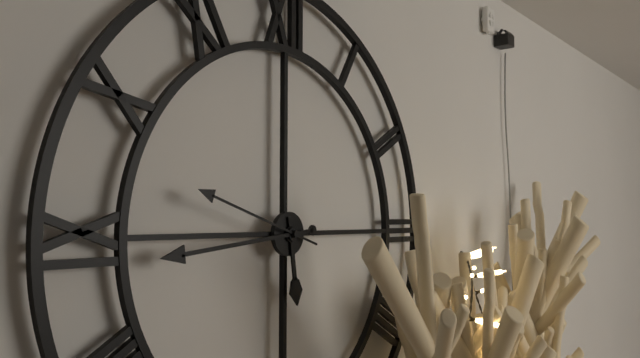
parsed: **5:44:48**
